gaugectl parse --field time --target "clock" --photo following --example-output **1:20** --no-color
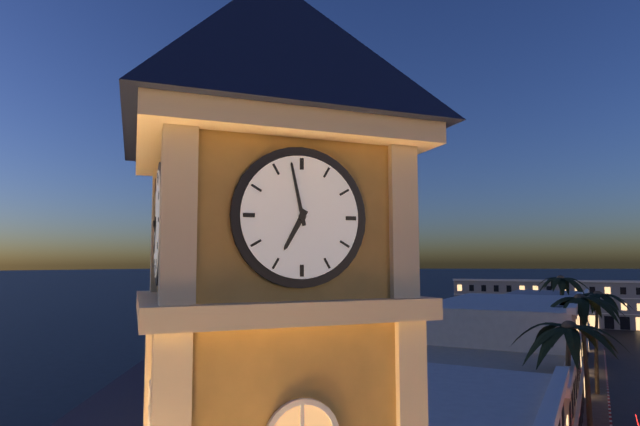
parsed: **6:58**
